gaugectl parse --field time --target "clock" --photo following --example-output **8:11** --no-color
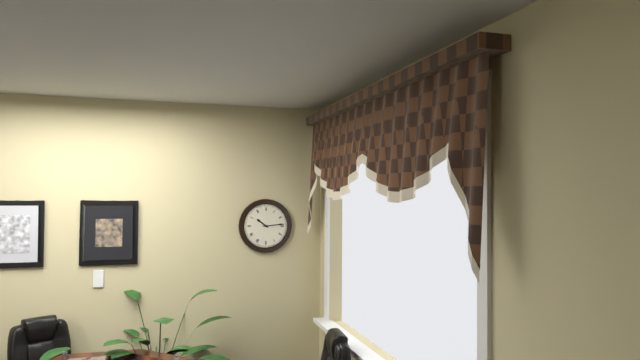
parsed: **10:14**
